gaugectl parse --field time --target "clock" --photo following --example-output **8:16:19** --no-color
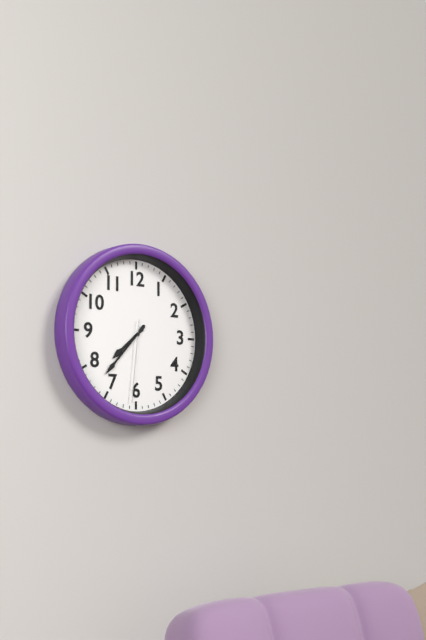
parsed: **7:37:31**
